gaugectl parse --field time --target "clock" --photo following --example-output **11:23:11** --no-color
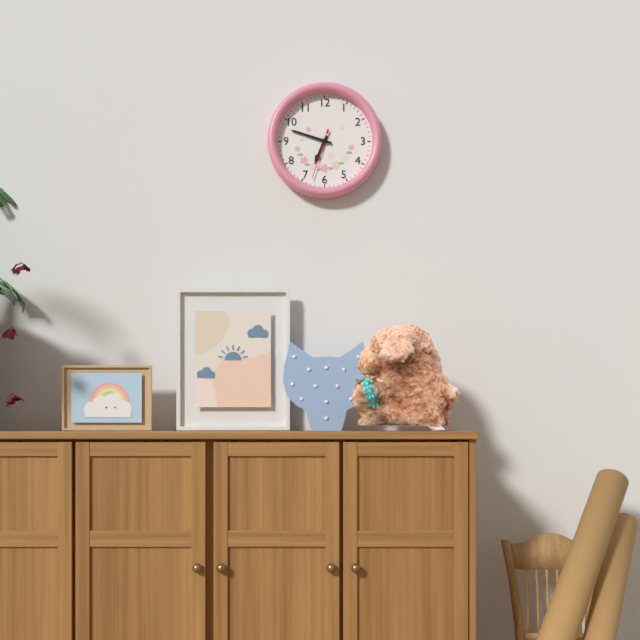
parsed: **6:48:33**
